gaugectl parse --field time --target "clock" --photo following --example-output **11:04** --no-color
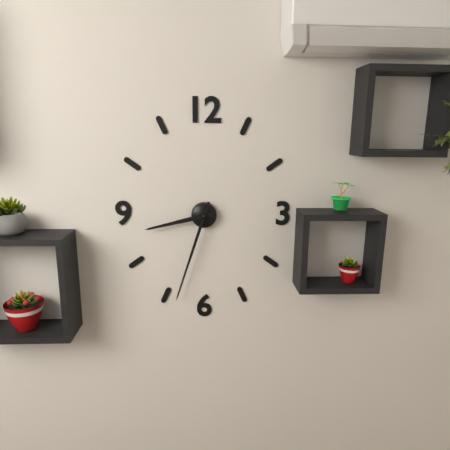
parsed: **8:33**
